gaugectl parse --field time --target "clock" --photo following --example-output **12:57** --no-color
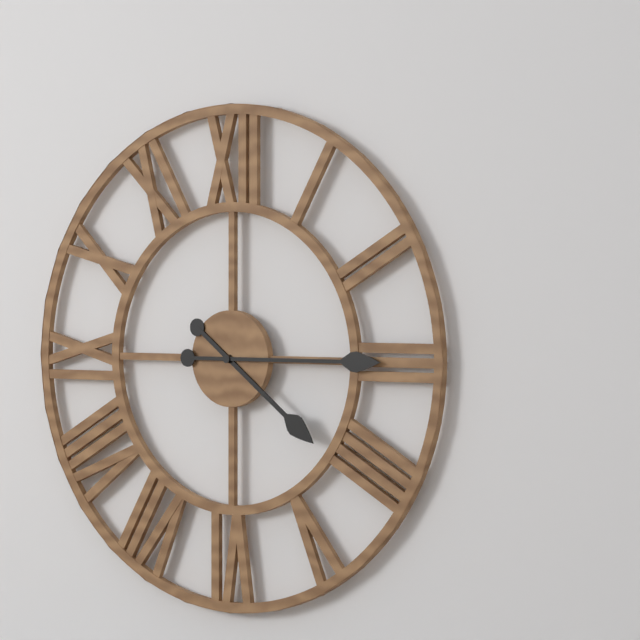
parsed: **4:15**
